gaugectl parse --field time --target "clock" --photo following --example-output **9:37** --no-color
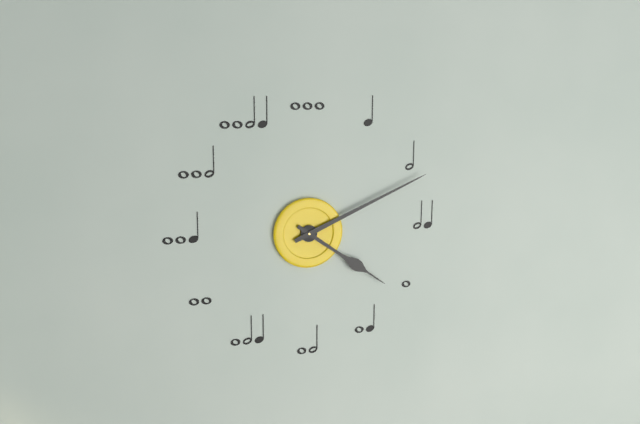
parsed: **4:11**
